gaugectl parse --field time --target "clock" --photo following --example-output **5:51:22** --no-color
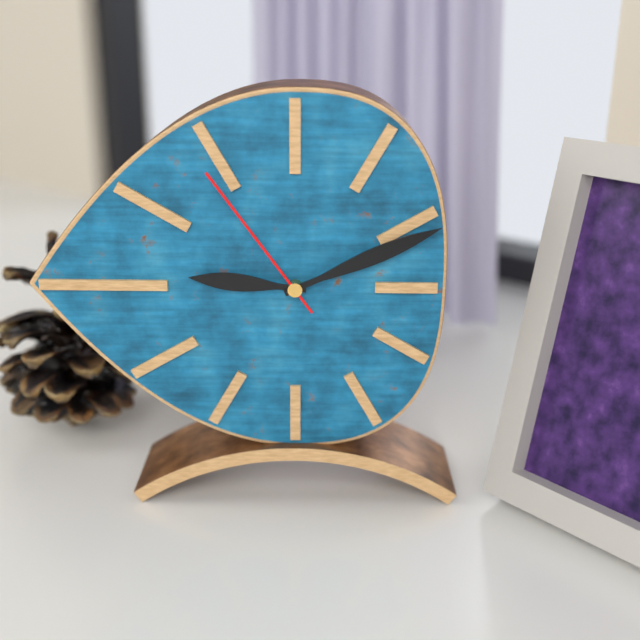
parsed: **9:11:54**
